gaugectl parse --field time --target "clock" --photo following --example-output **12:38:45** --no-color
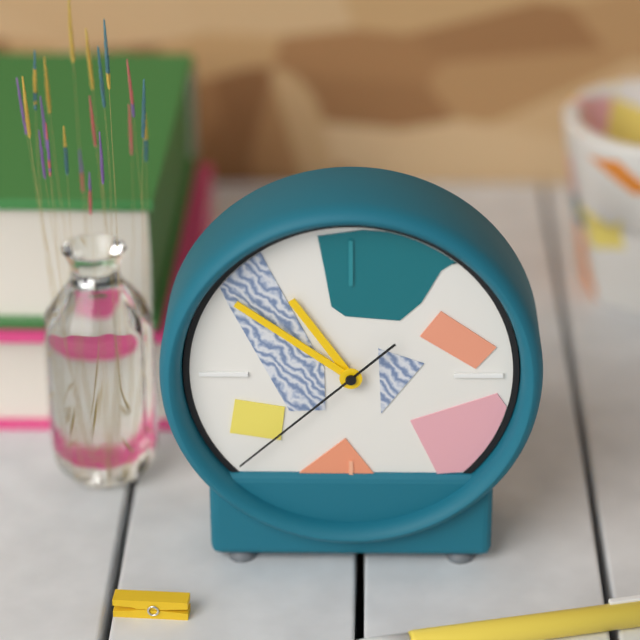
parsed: **10:51:38**
